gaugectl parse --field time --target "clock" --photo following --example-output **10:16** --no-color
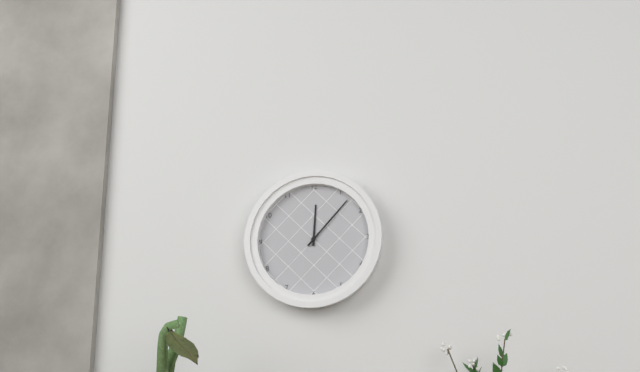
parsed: **12:07**
